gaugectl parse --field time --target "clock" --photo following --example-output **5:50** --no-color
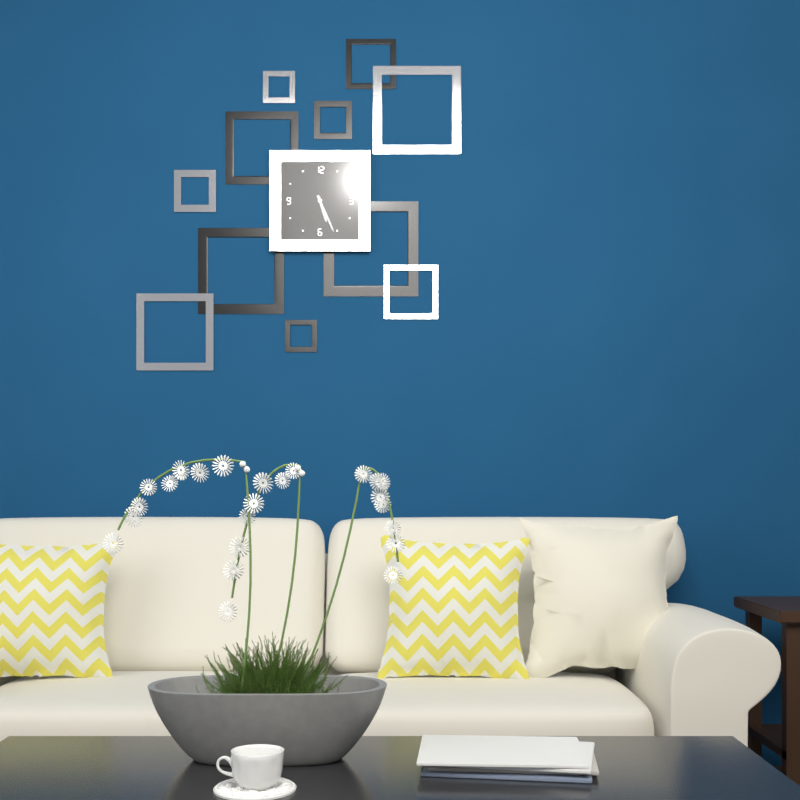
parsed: **5:26**
